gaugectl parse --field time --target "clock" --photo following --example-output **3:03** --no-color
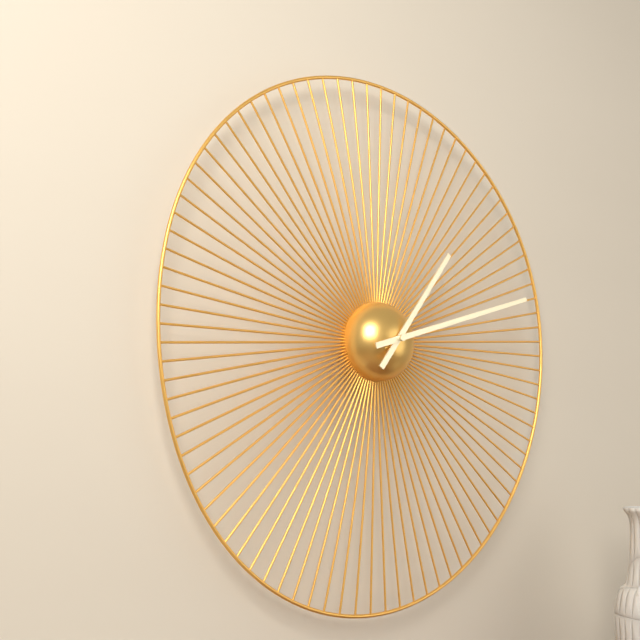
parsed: **1:12**
